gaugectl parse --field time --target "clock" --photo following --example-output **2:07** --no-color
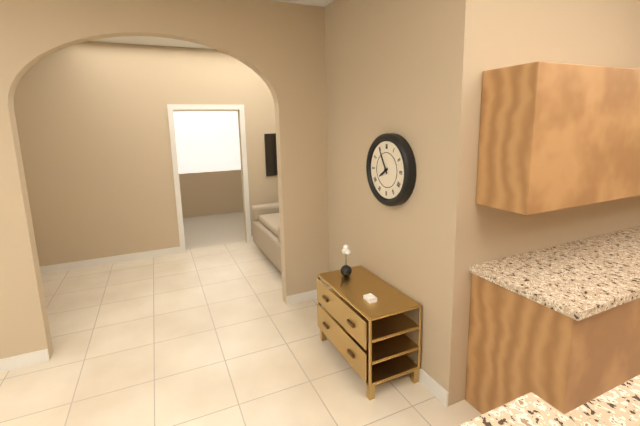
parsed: **7:55**
